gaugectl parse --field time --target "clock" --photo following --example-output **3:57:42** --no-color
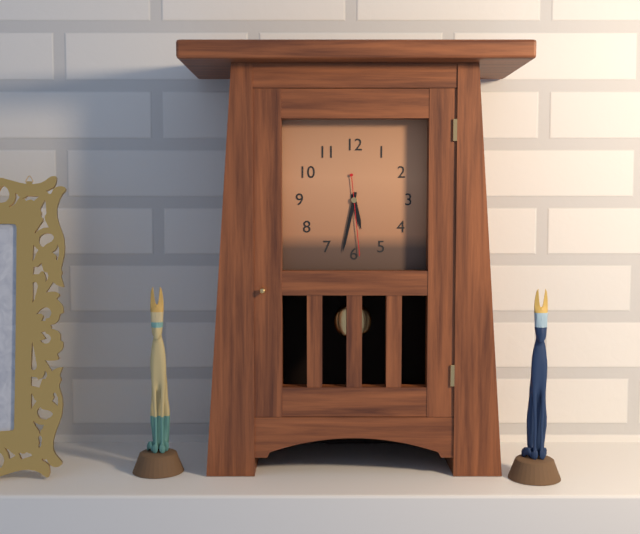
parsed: **5:32:29**
